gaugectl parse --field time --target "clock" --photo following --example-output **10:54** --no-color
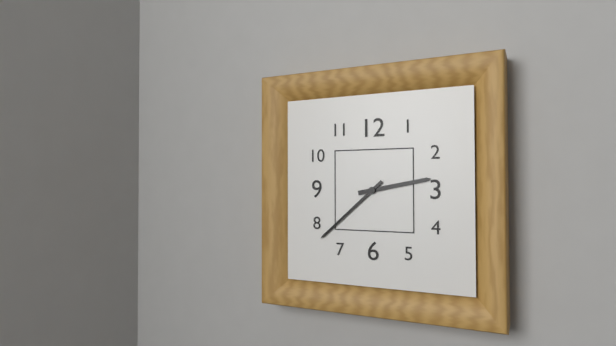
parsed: **2:38**
